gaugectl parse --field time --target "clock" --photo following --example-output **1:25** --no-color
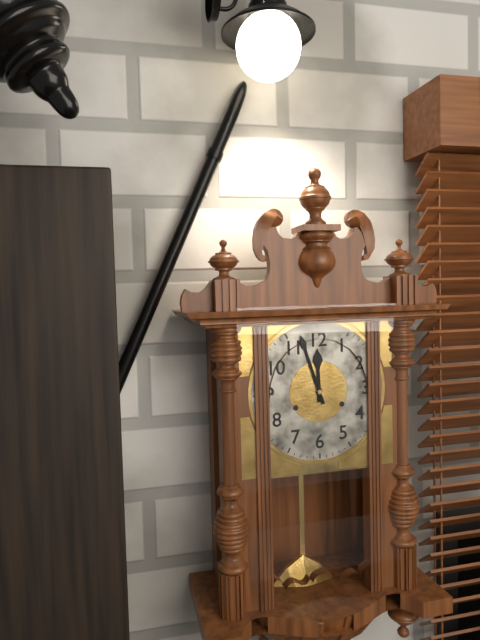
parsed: **11:57**
